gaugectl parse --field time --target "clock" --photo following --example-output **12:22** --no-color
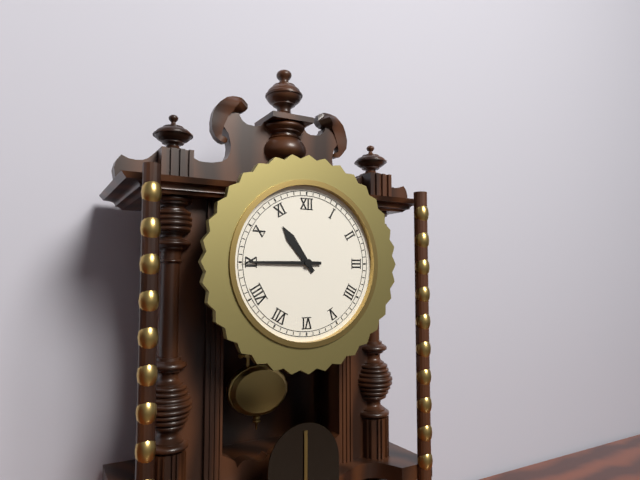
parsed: **10:45**
